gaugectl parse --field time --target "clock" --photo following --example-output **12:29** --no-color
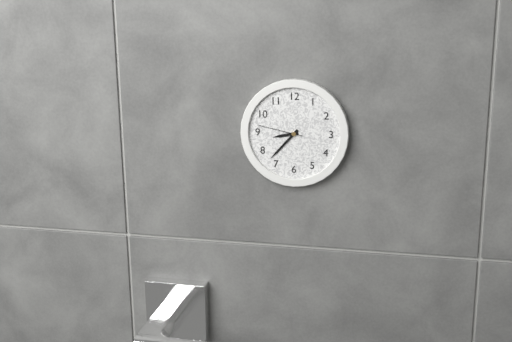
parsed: **8:37**
